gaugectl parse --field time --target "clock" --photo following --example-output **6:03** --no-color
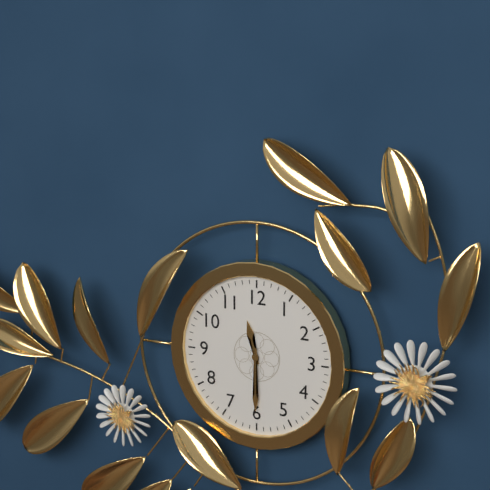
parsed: **11:30**
